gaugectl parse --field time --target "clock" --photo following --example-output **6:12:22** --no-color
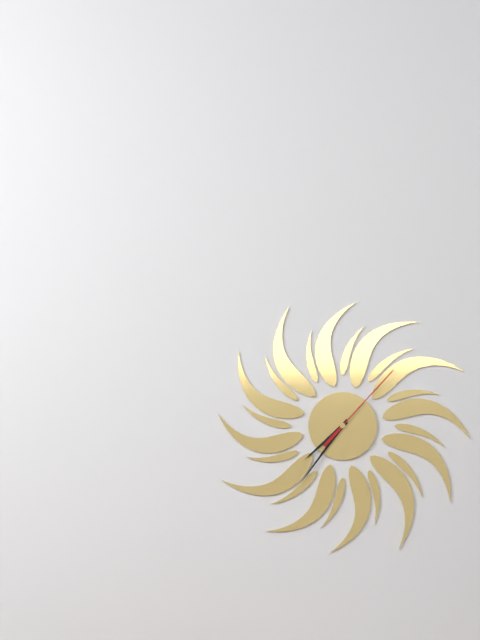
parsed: **7:36:07**
